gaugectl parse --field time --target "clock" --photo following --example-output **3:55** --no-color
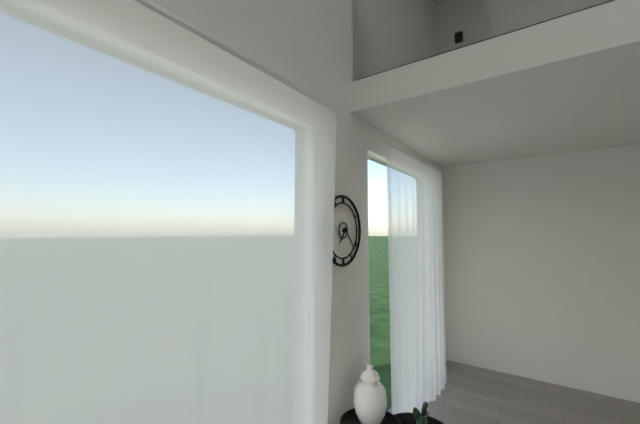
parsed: **7:23**
